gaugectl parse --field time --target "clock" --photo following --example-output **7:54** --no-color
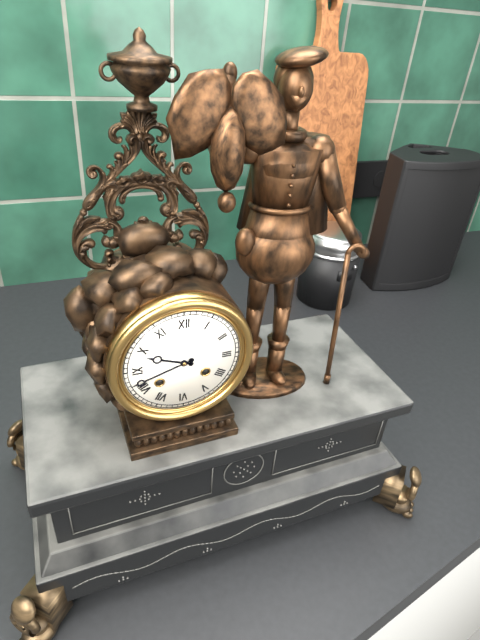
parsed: **9:42**
